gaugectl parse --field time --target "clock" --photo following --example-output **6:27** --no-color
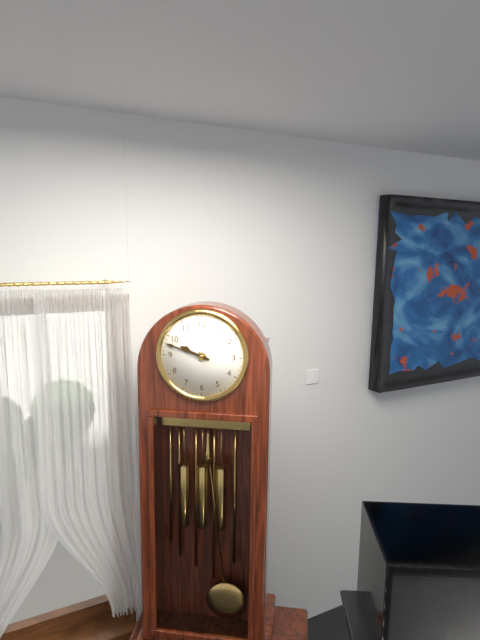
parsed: **9:48**
